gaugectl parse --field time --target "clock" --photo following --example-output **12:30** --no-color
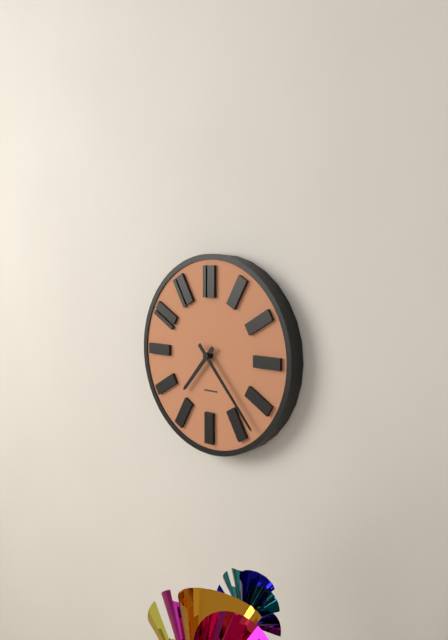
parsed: **7:23**
